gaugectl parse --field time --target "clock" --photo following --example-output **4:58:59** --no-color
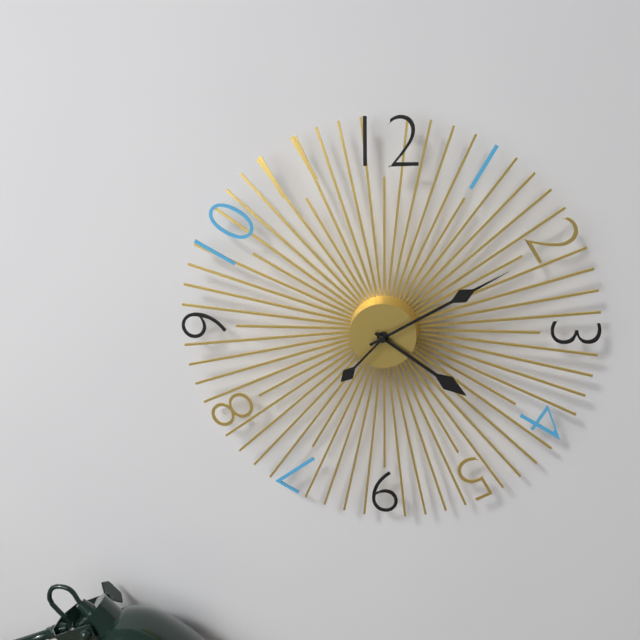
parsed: **4:10:37**
